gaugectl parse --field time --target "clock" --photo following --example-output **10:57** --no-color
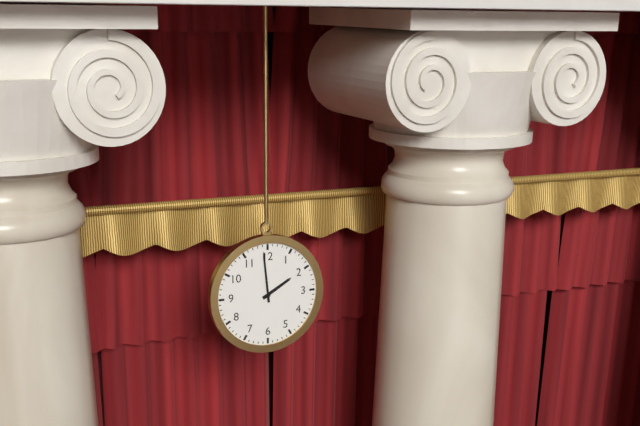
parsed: **1:59**
